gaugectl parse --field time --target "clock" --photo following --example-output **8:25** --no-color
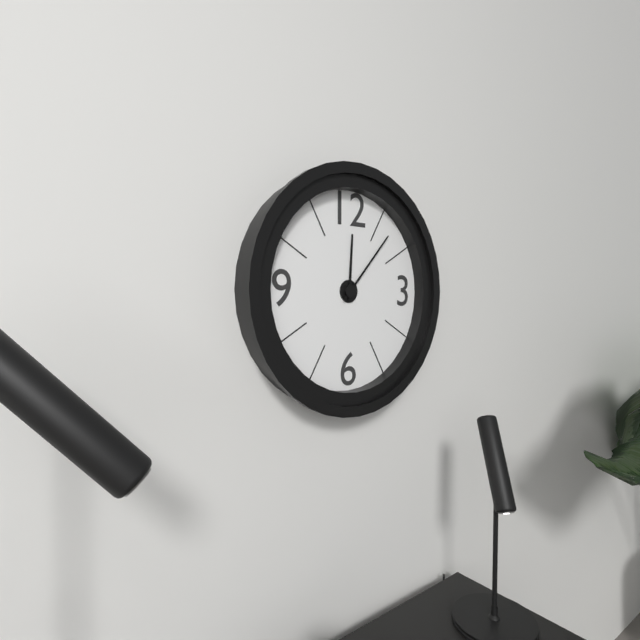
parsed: **12:07**
